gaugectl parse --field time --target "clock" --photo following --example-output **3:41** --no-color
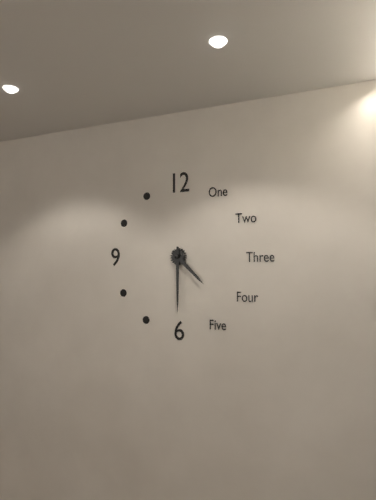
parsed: **4:30**
